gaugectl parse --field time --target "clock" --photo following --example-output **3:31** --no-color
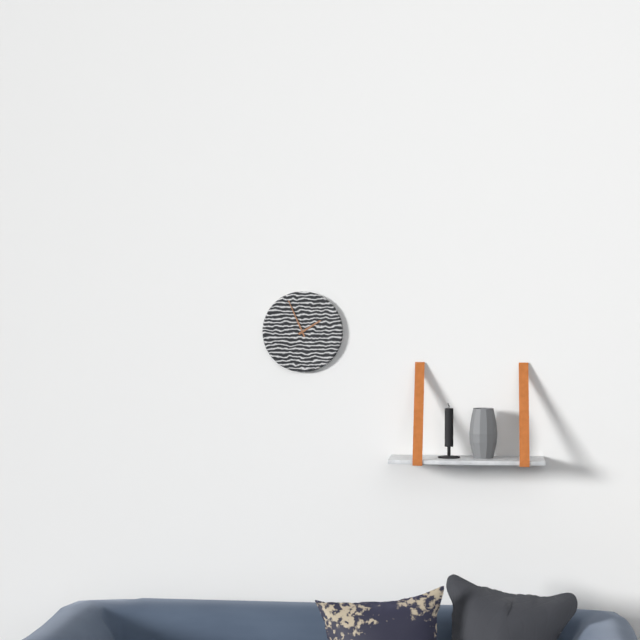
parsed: **1:56**
